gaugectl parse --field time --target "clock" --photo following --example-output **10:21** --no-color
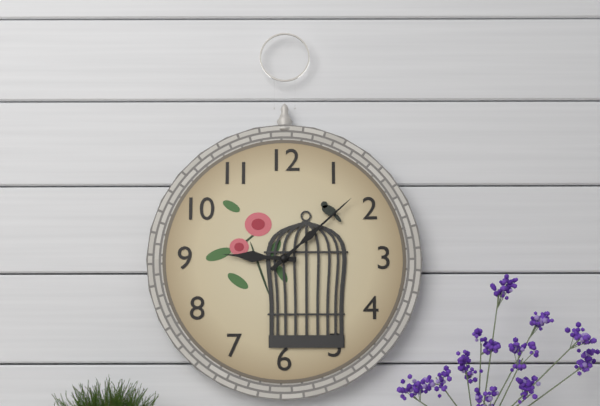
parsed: **9:08**
